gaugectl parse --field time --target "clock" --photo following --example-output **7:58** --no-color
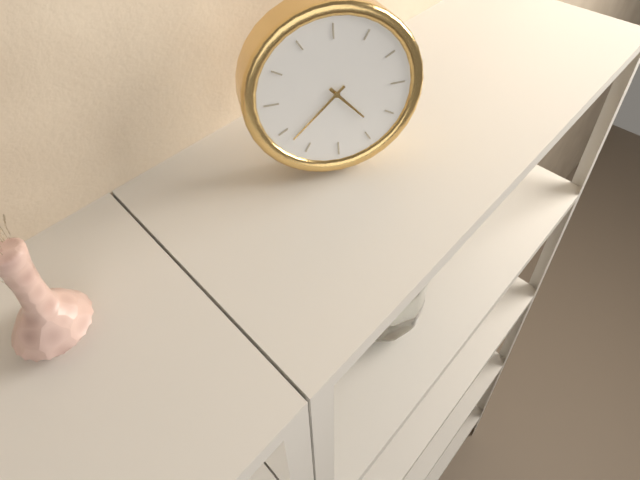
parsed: **4:38**
